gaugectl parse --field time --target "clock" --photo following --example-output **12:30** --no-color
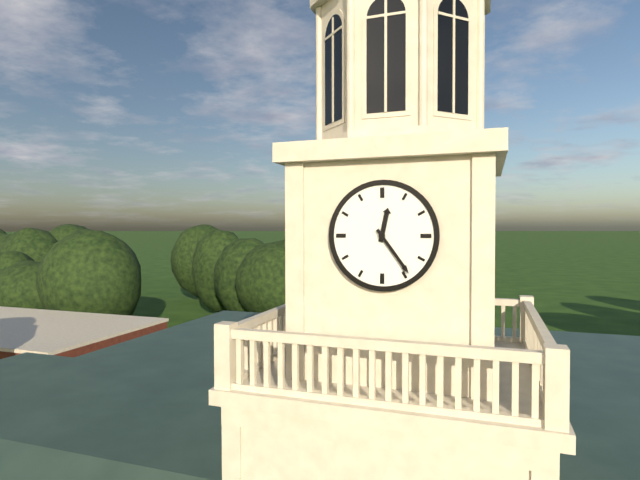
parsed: **12:24**
